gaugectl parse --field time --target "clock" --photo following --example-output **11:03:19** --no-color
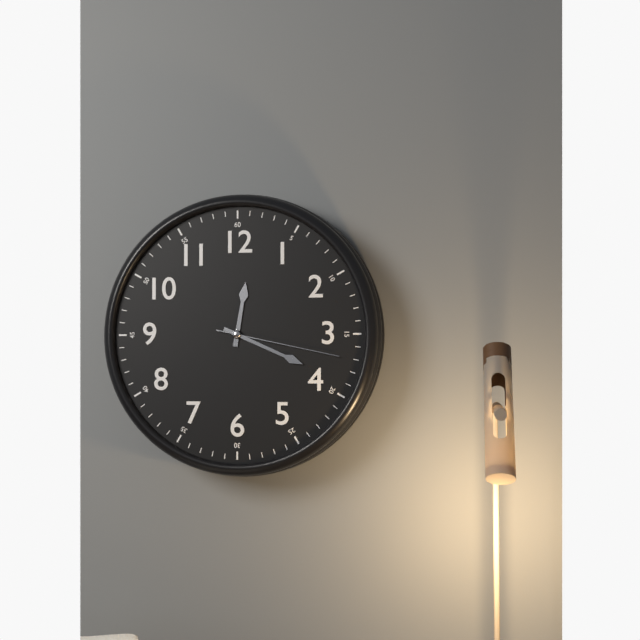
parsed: **12:19:17**
